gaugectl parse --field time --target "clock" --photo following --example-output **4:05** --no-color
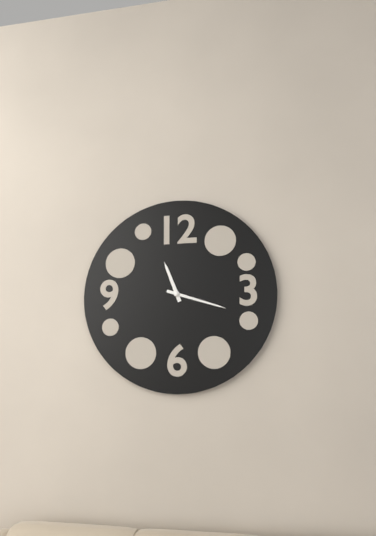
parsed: **11:18**
